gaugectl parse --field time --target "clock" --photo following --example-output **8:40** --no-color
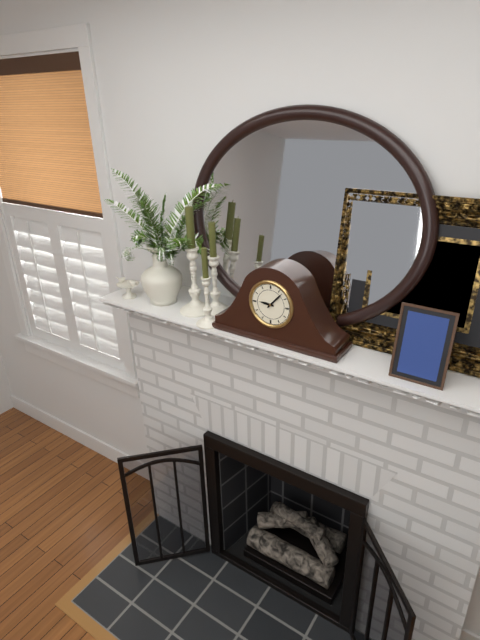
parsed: **9:07**
